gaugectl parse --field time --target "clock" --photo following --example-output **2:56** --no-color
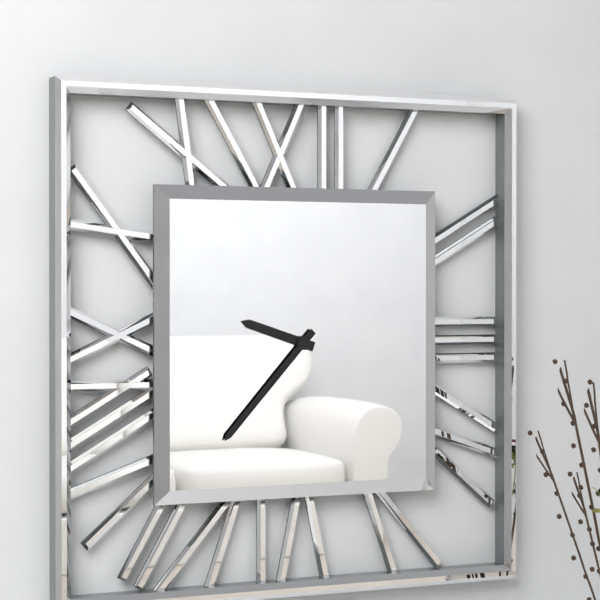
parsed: **9:37**
